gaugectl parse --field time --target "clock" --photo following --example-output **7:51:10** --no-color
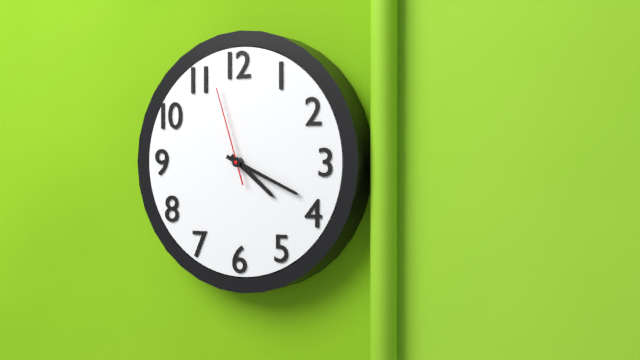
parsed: **4:19:57**
